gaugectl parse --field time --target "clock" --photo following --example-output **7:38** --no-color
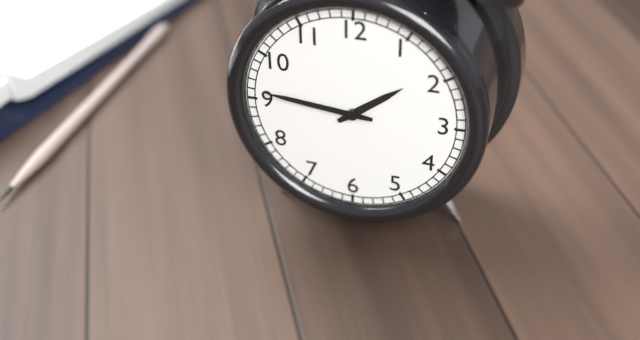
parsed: **1:46**
